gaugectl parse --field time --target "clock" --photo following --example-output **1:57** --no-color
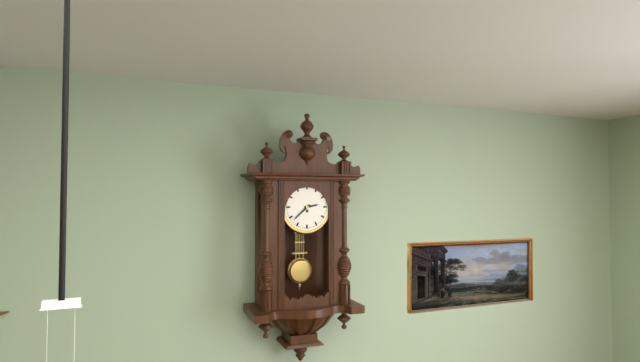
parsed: **2:38**
